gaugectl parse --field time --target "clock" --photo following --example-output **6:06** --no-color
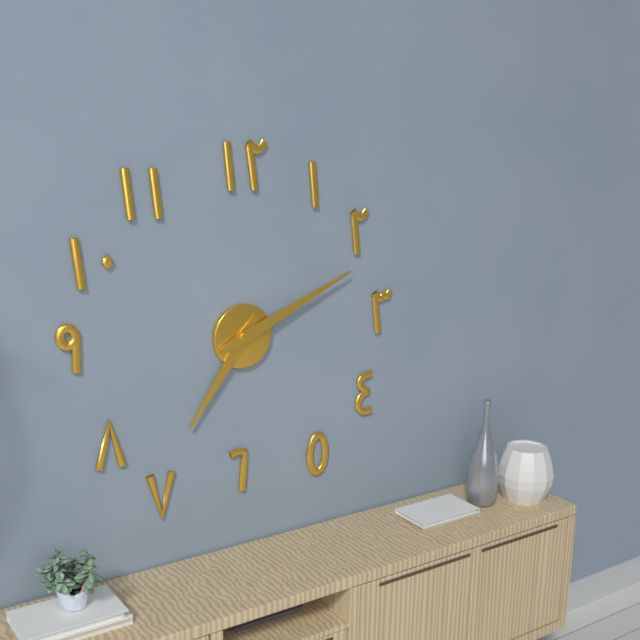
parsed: **7:11**
